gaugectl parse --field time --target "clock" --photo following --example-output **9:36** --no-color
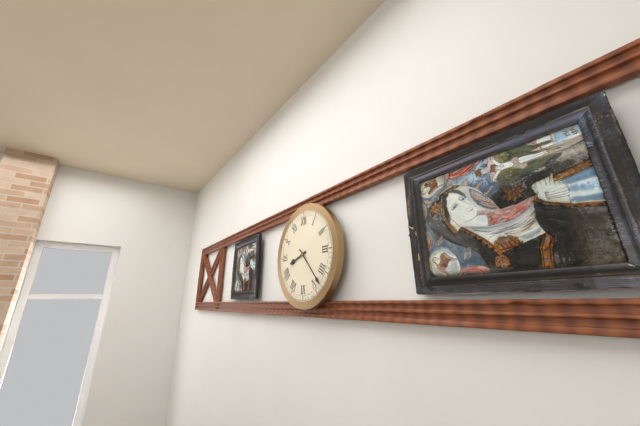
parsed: **8:23**
